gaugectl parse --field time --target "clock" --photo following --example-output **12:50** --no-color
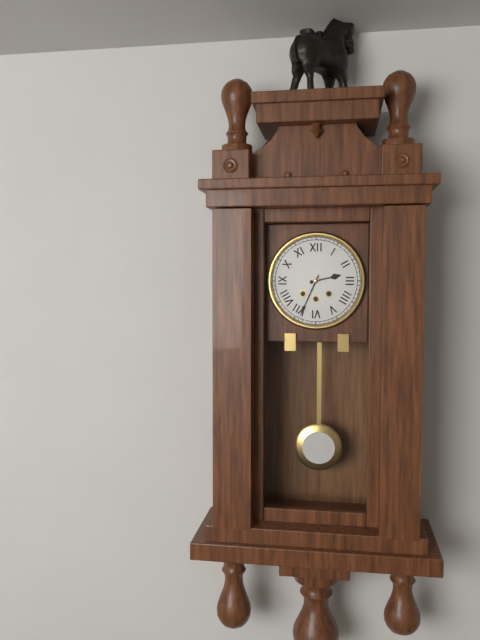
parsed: **2:34**
